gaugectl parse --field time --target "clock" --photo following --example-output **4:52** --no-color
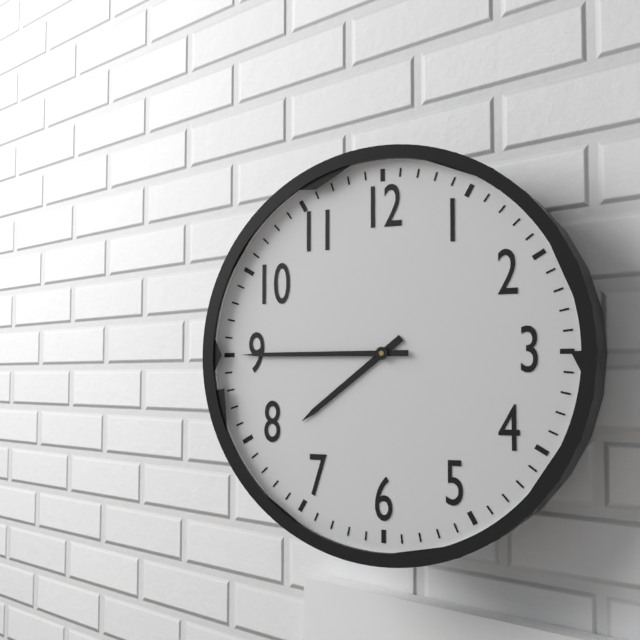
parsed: **7:45**
